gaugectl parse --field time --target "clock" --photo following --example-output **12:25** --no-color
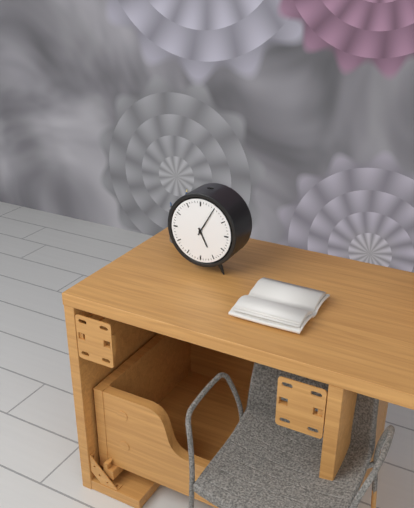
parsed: **5:05**
